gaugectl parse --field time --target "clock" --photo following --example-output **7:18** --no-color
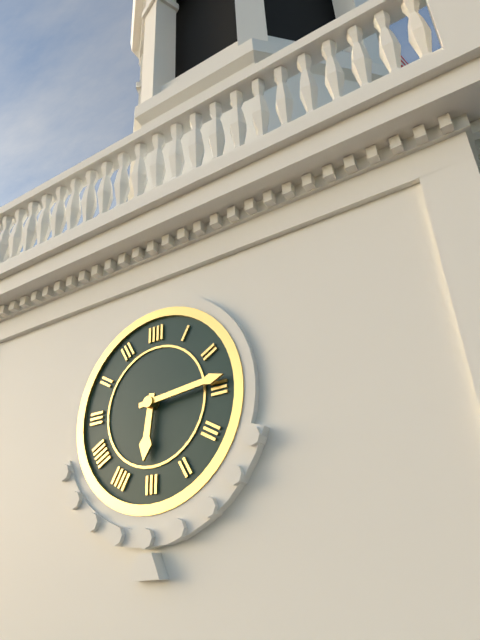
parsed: **6:14**
